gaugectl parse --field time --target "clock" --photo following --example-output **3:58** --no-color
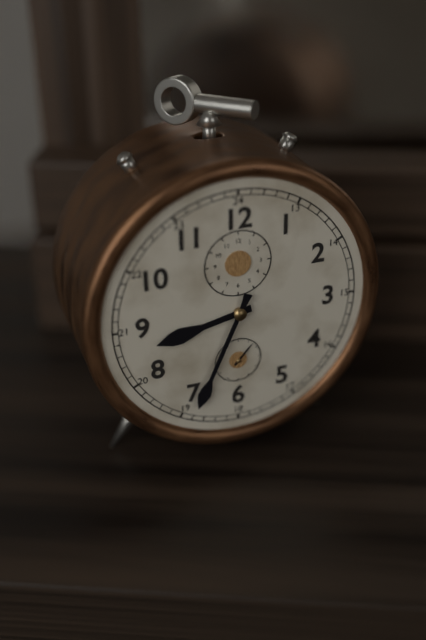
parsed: **8:34**
